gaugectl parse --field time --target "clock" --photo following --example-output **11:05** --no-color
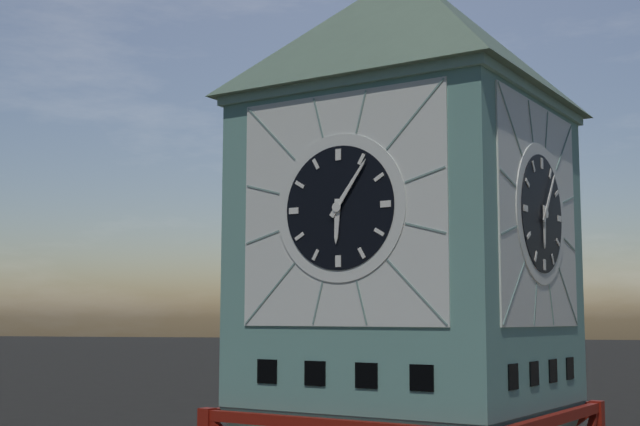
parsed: **6:06**
